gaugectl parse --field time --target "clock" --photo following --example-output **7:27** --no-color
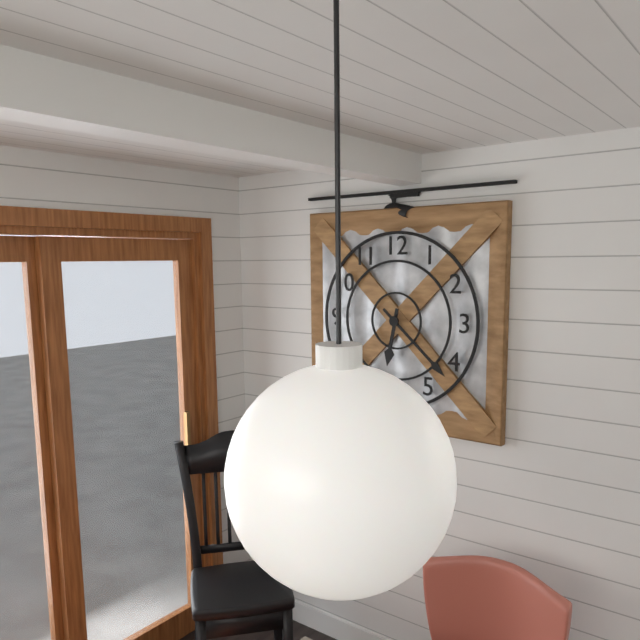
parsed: **6:22**
